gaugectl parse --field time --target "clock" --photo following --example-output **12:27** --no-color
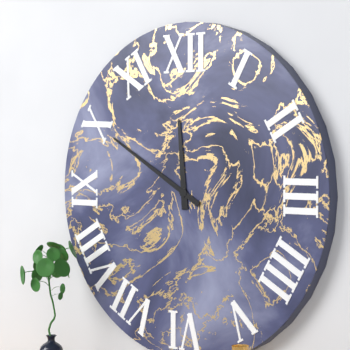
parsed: **11:50**
